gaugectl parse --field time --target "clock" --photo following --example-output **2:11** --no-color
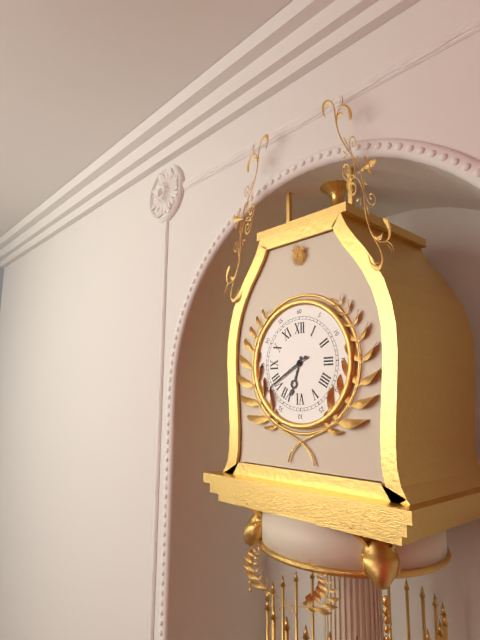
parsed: **6:40**
